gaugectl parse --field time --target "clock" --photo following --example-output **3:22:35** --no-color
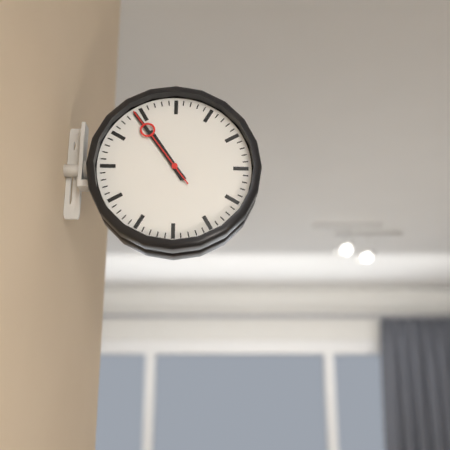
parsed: **10:54:54**
